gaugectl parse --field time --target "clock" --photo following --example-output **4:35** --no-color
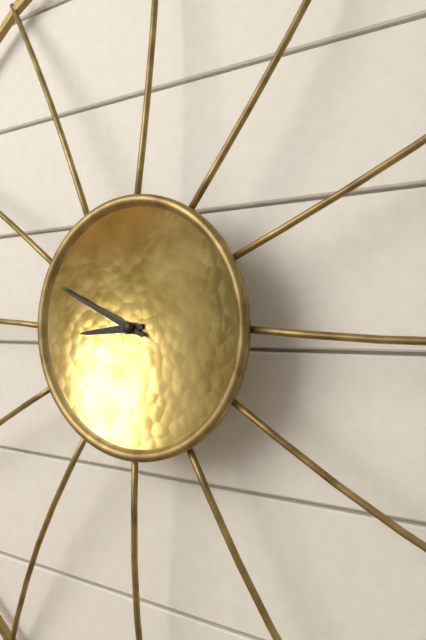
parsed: **8:49**
